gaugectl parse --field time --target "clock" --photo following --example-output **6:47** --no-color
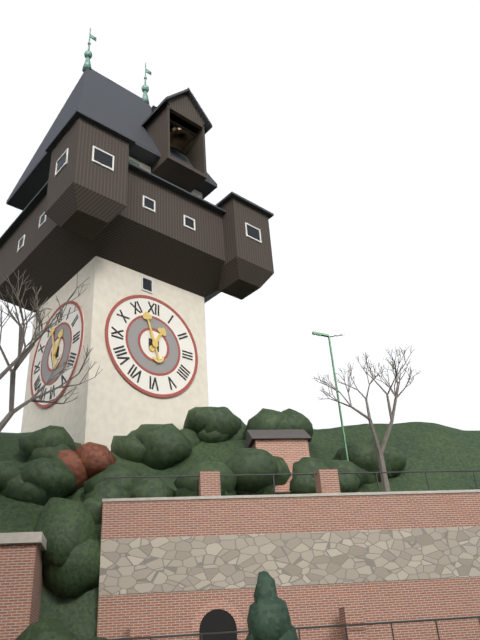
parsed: **12:57**
